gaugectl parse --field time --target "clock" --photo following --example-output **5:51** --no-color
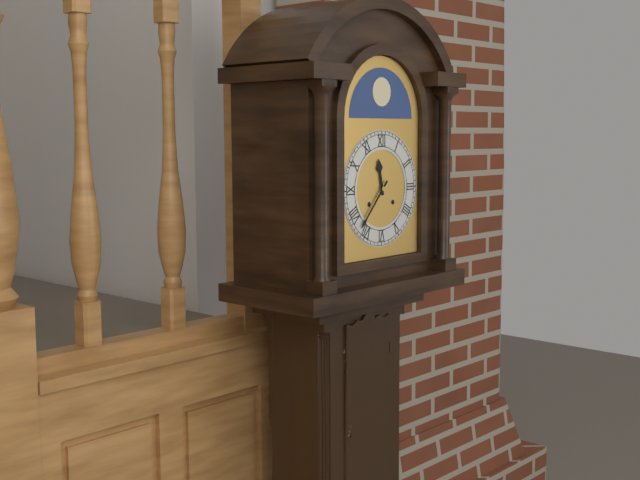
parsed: **11:37**
